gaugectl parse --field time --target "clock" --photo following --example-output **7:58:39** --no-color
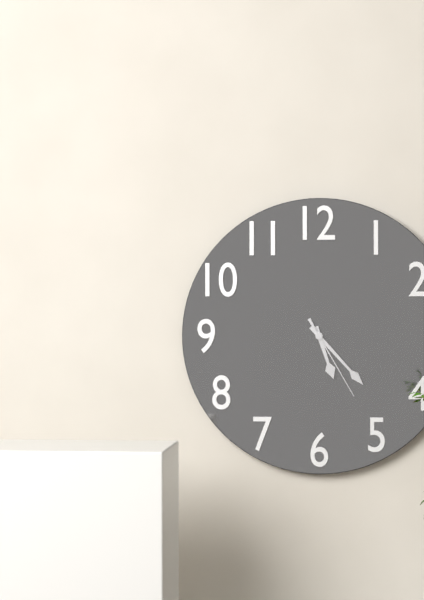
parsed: **5:23:25**
